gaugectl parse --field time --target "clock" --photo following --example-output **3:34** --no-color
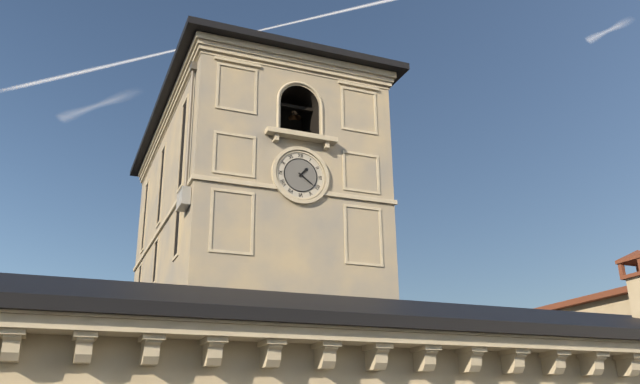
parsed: **1:21**
